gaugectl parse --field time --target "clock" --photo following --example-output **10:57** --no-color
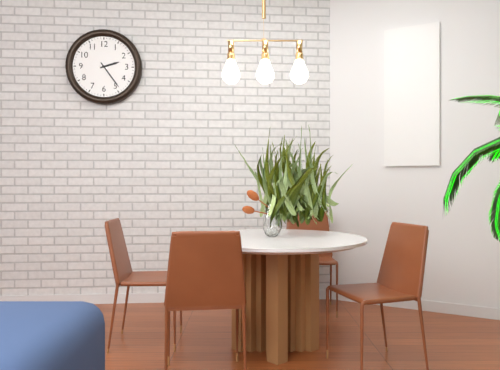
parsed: **2:24**
